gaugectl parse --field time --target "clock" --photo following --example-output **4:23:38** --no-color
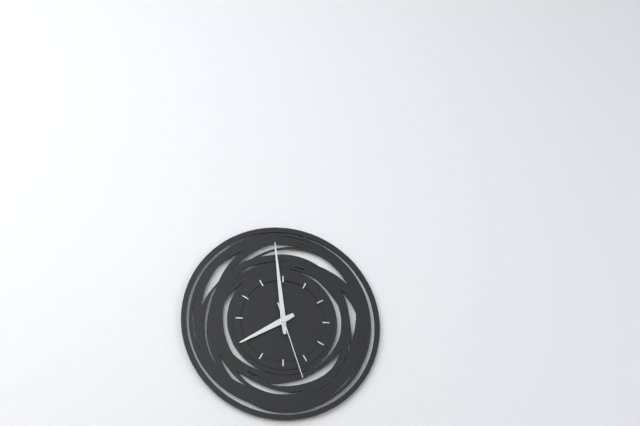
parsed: **7:59:27**
